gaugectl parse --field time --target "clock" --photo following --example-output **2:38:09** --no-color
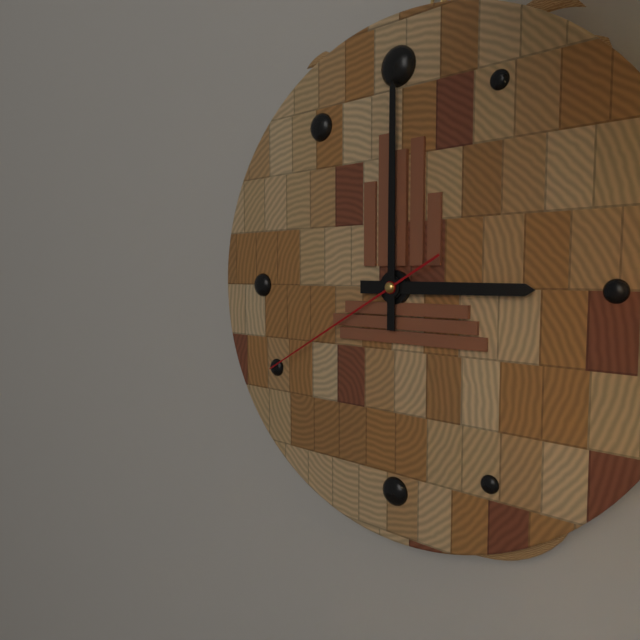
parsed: **3:00:40**
